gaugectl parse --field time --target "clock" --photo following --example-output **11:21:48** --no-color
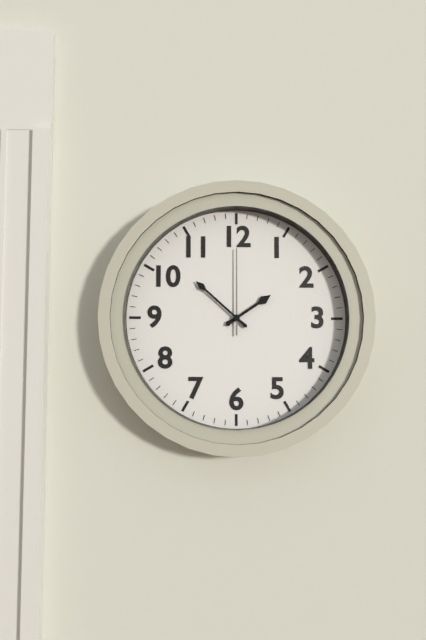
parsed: **1:52:00**
